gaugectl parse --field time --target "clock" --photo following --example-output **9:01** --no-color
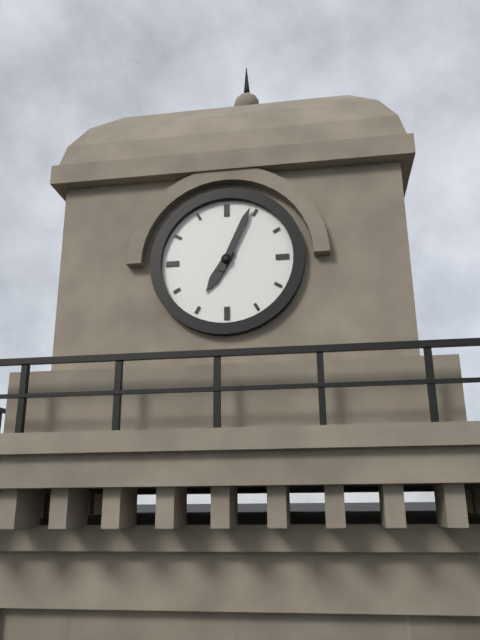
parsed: **7:04**
